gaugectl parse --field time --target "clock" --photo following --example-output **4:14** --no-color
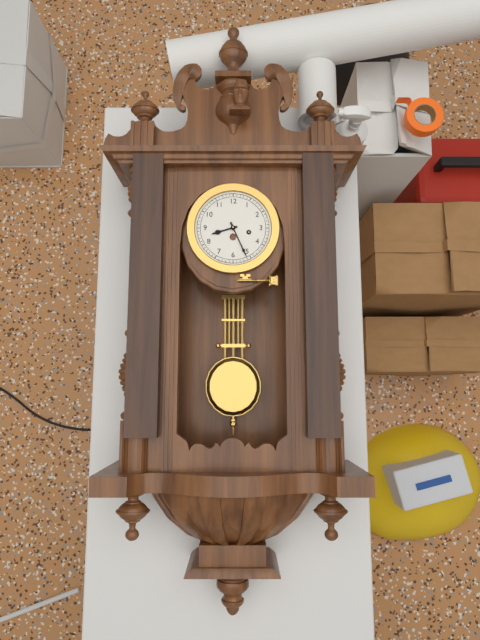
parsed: **8:26**
